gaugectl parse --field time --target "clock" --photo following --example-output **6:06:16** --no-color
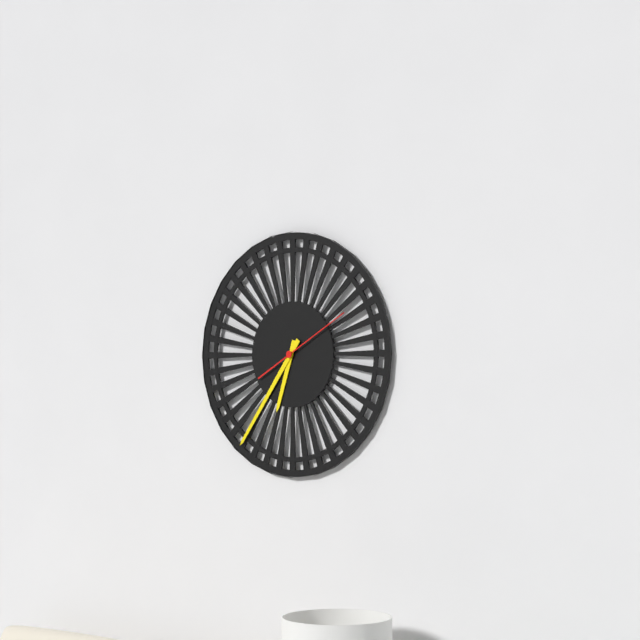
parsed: **6:36:10**
